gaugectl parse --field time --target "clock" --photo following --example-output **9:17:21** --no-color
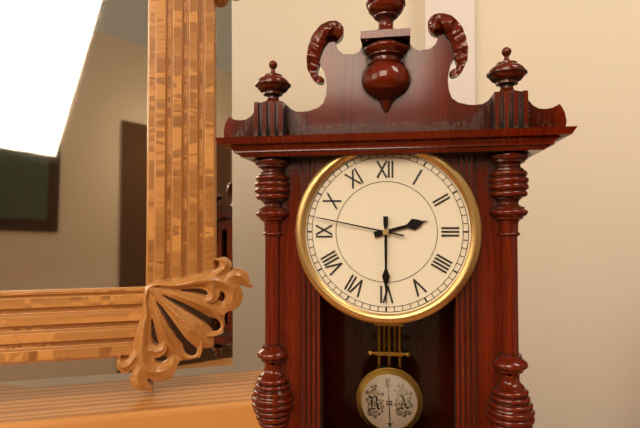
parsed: **2:30:47**
